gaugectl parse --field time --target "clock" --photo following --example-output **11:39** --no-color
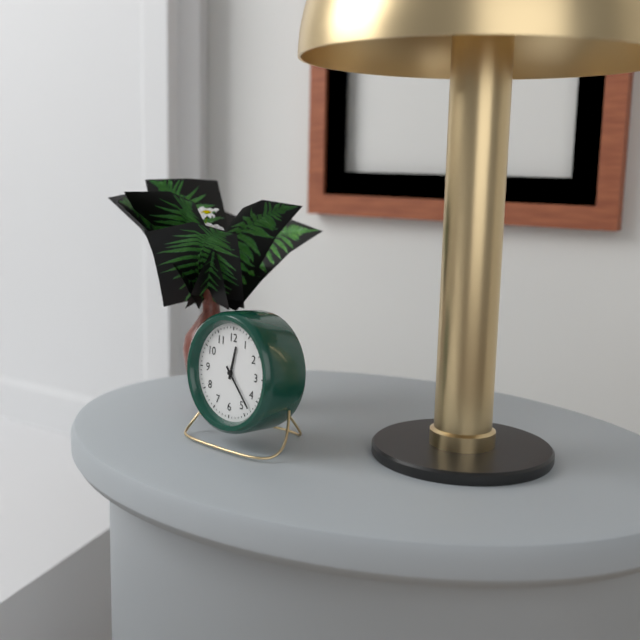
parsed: **12:23**
